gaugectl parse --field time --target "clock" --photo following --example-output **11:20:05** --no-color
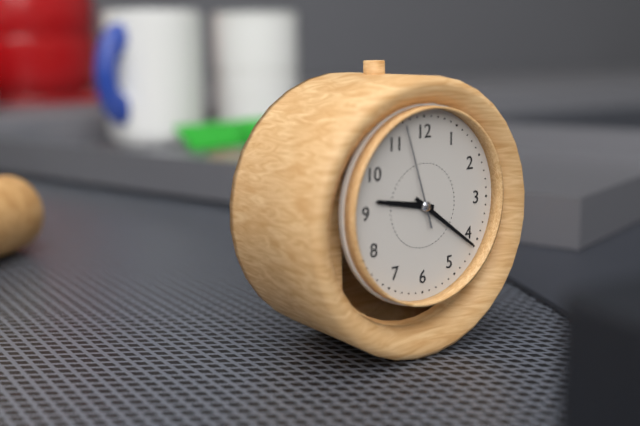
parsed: **9:21:57**
